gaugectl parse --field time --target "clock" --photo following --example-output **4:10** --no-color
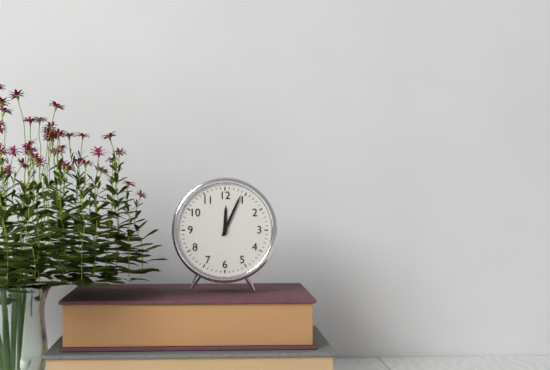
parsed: **12:04**
